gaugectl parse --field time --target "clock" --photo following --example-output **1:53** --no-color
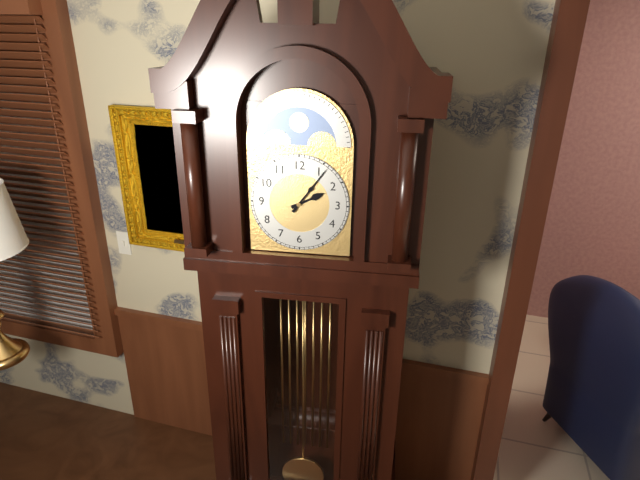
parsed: **2:06**
